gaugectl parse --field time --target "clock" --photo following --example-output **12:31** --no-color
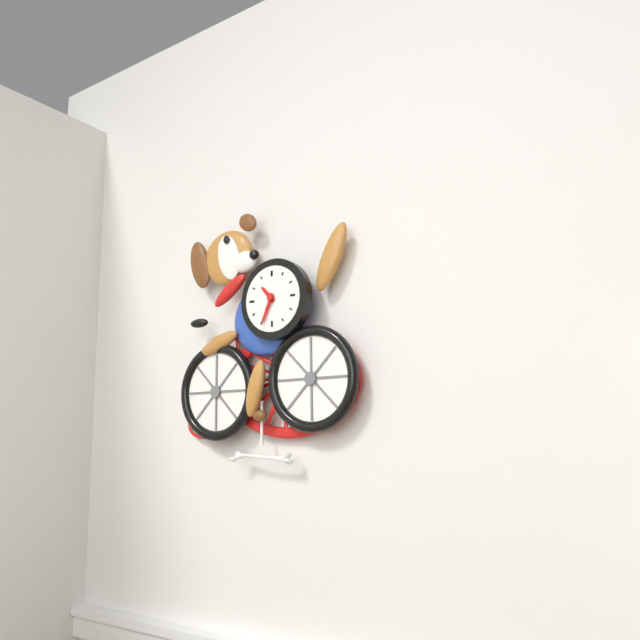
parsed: **10:34**
